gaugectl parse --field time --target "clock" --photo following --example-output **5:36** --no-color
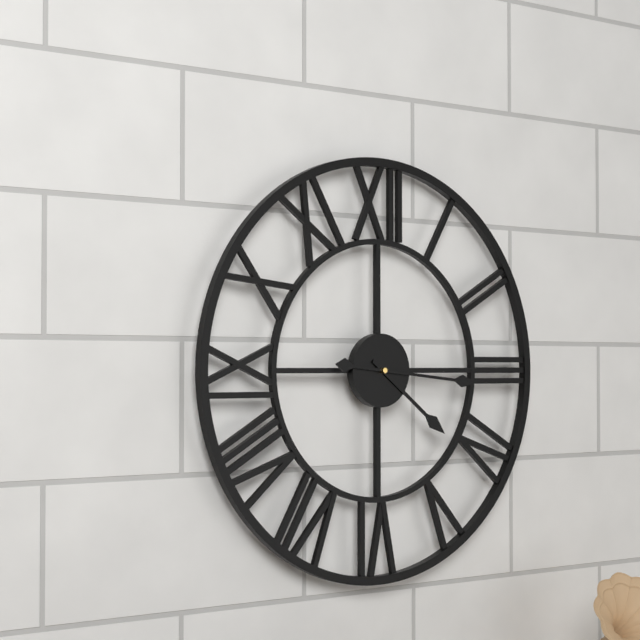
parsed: **4:16**
